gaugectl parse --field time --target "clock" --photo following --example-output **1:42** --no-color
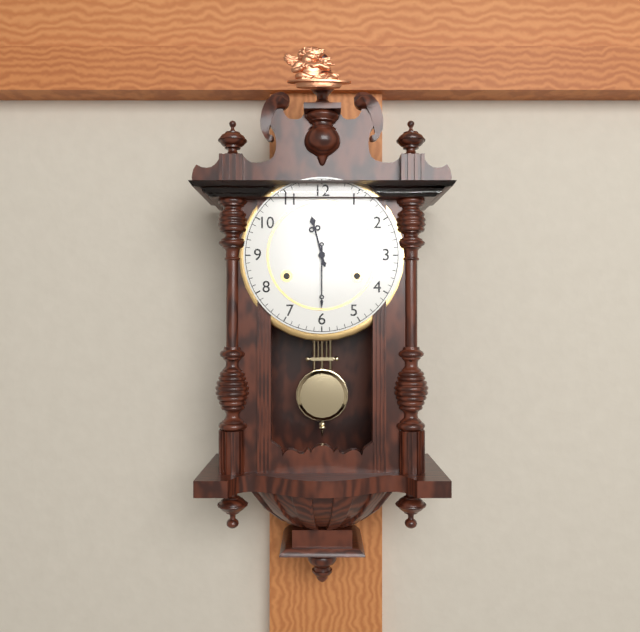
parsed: **11:30**
